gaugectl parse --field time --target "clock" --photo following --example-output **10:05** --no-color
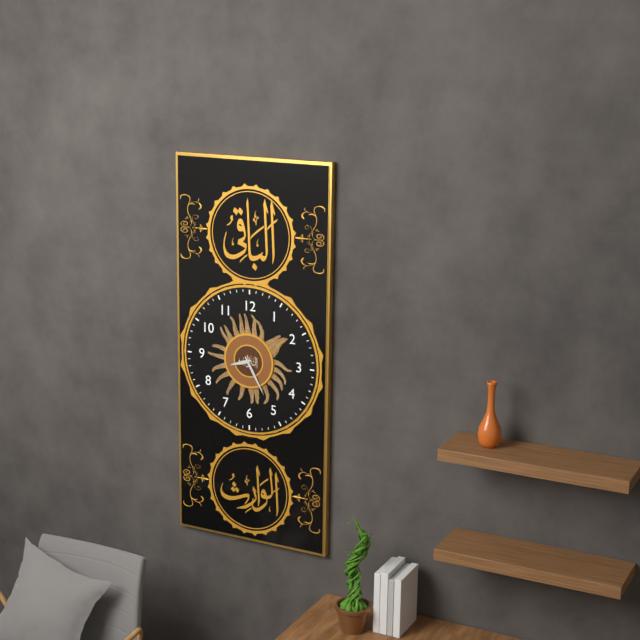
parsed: **8:25**
